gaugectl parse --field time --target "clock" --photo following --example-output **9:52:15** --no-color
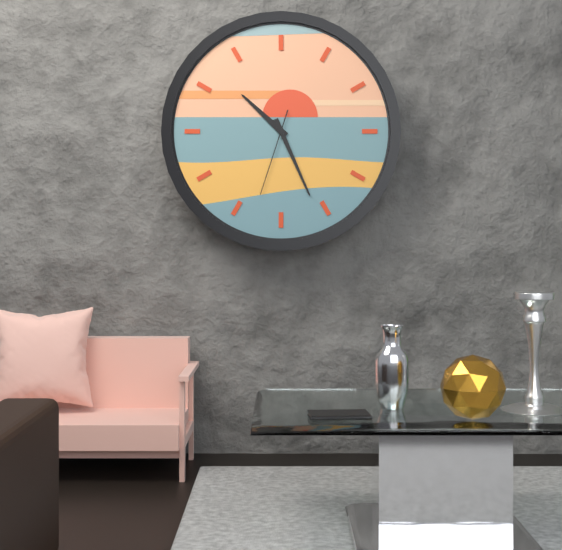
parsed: **10:26:33**
